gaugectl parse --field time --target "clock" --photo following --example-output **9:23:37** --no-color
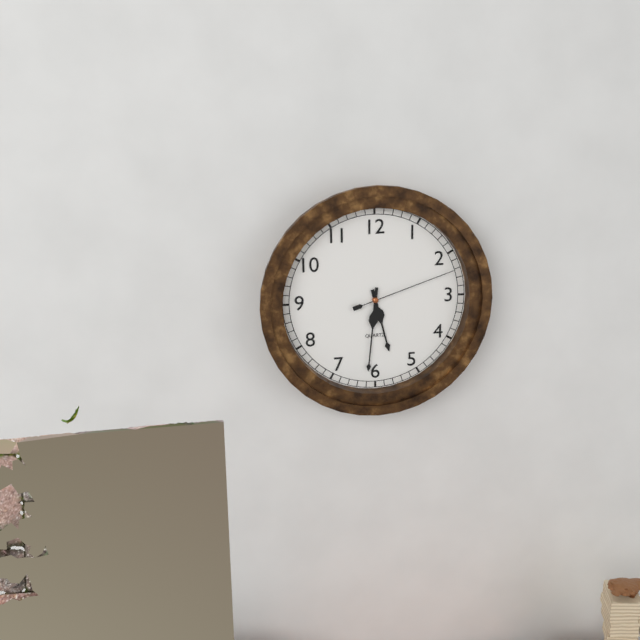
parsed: **5:31:12**
